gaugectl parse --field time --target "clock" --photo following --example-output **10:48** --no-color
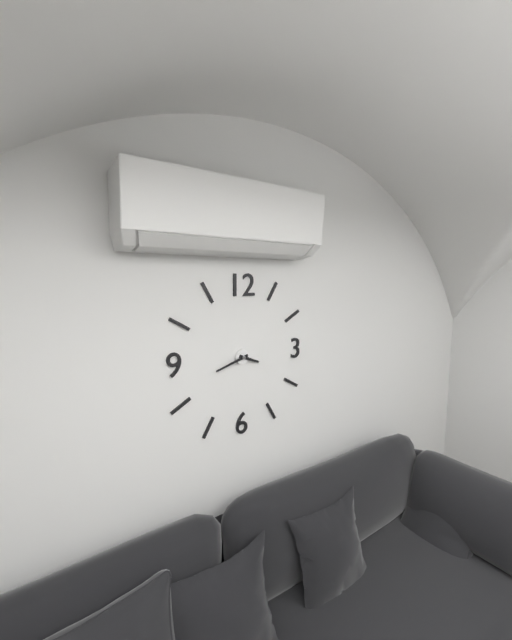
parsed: **3:42**
